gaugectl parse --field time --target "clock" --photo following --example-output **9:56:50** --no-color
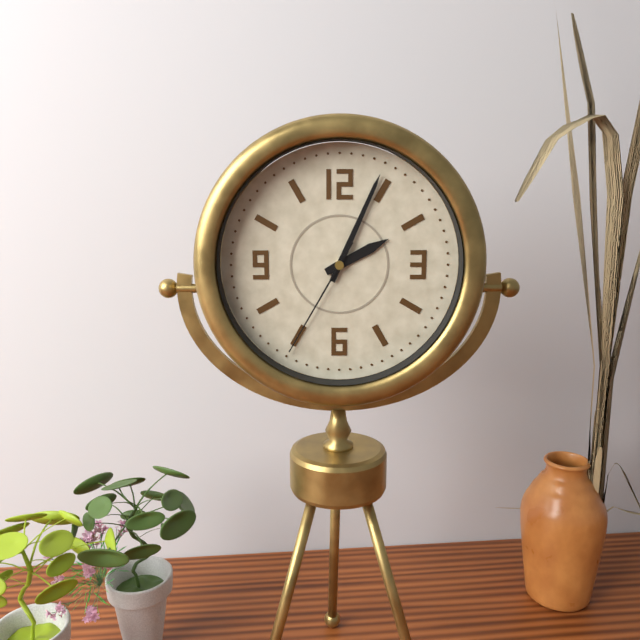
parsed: **2:04:35**
